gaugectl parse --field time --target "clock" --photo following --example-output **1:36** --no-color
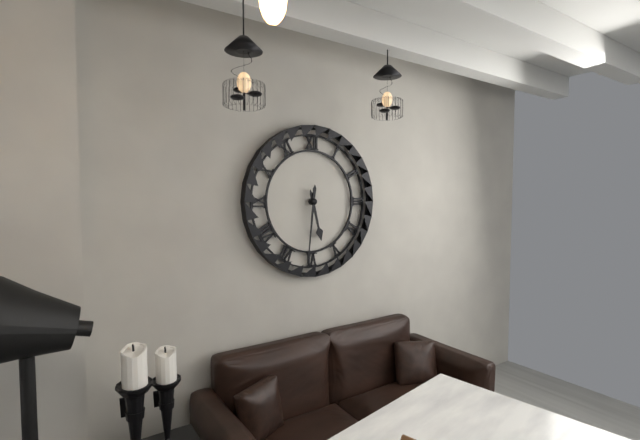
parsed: **5:31**
